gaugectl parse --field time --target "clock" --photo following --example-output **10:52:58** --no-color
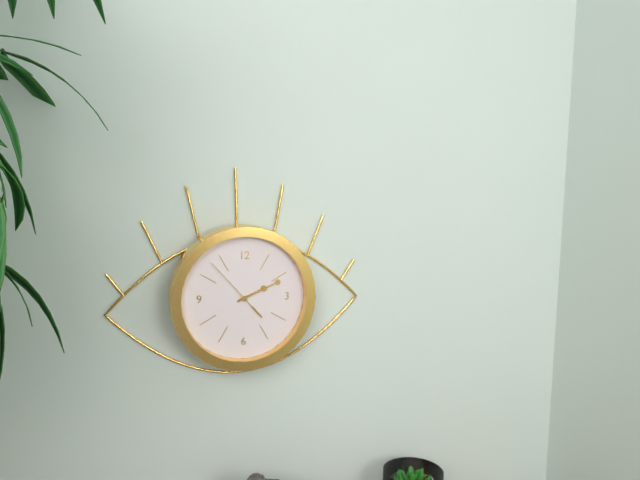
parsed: **2:11:53**
